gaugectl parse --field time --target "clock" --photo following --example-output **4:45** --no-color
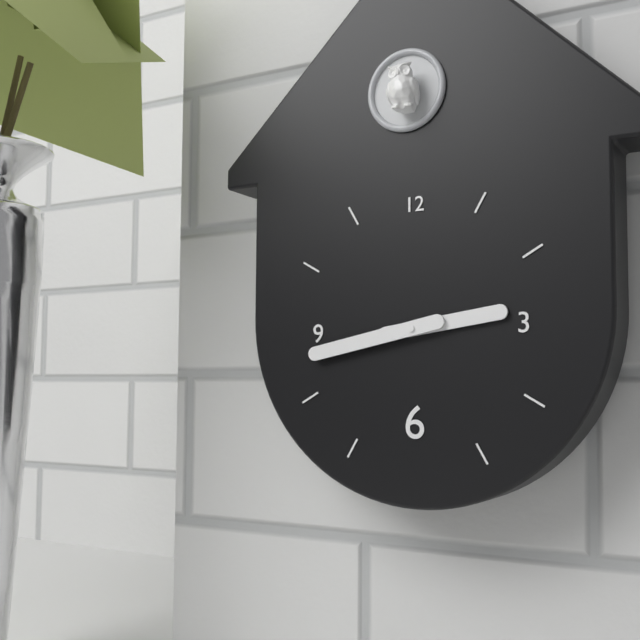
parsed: **2:43**
